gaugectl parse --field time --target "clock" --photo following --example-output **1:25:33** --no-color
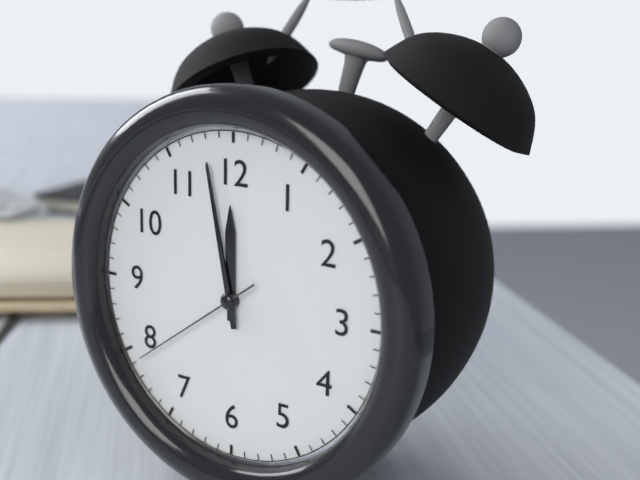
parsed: **11:58:39**
